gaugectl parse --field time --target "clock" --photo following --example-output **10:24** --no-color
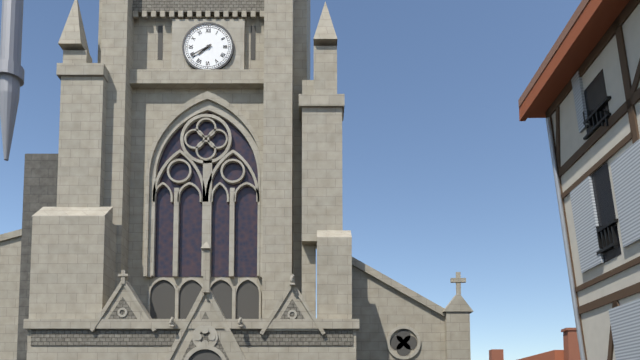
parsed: **7:40**
